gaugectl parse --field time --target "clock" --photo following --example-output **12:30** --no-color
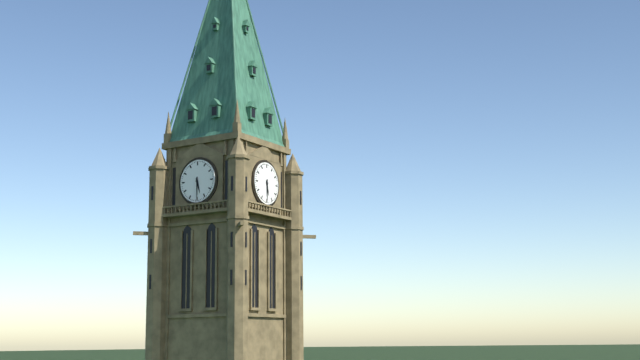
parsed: **5:30**
